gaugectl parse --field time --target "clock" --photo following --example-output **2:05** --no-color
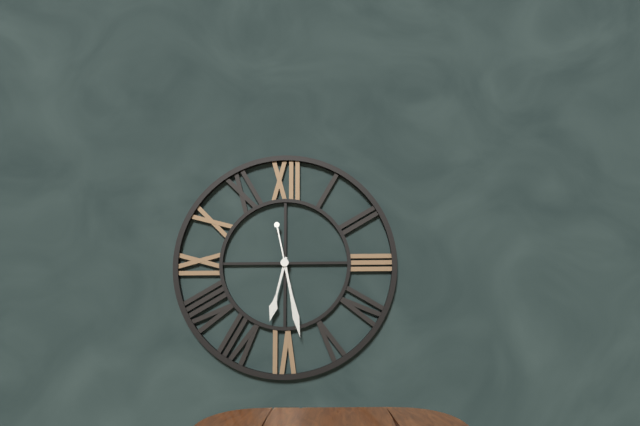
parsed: **6:28**
